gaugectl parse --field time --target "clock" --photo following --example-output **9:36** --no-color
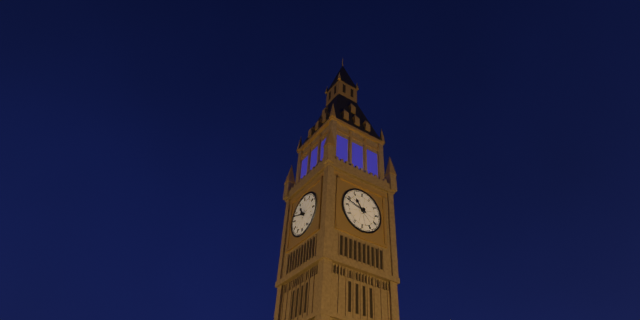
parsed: **10:48**
